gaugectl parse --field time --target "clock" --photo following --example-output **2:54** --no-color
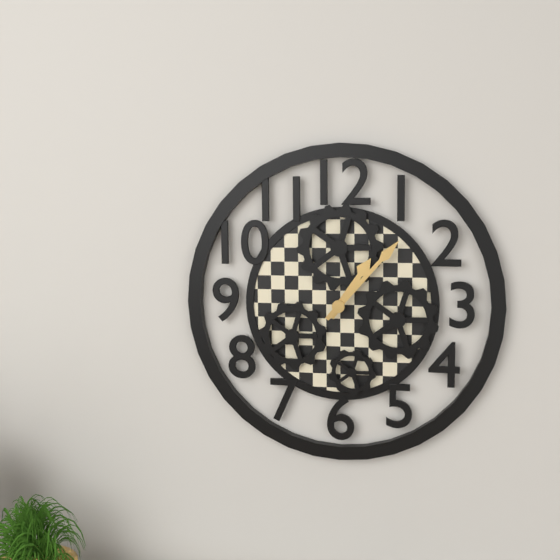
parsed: **1:07**
